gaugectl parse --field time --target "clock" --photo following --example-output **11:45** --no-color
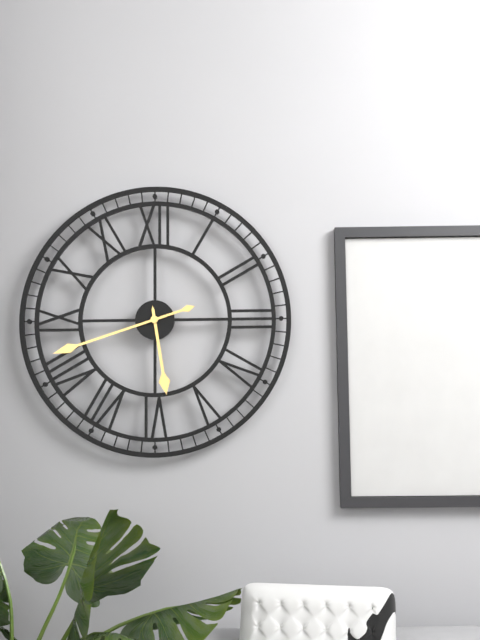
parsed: **5:42**
